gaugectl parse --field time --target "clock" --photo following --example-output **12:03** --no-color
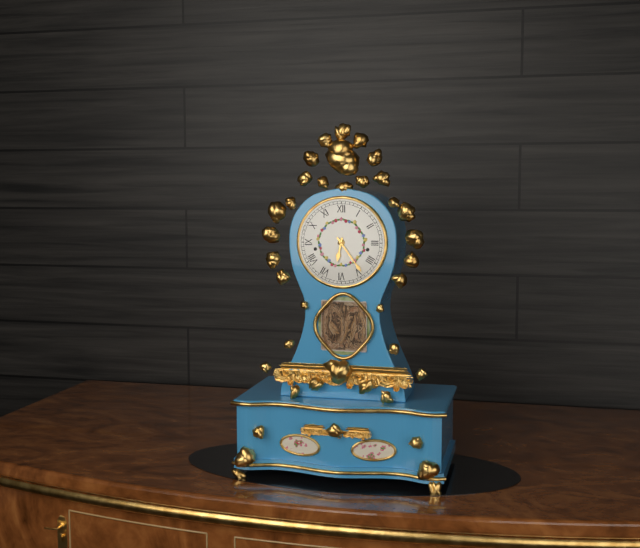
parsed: **6:24**
